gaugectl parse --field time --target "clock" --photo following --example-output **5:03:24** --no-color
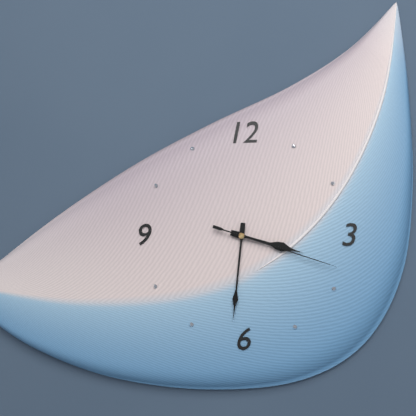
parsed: **3:31:18**
